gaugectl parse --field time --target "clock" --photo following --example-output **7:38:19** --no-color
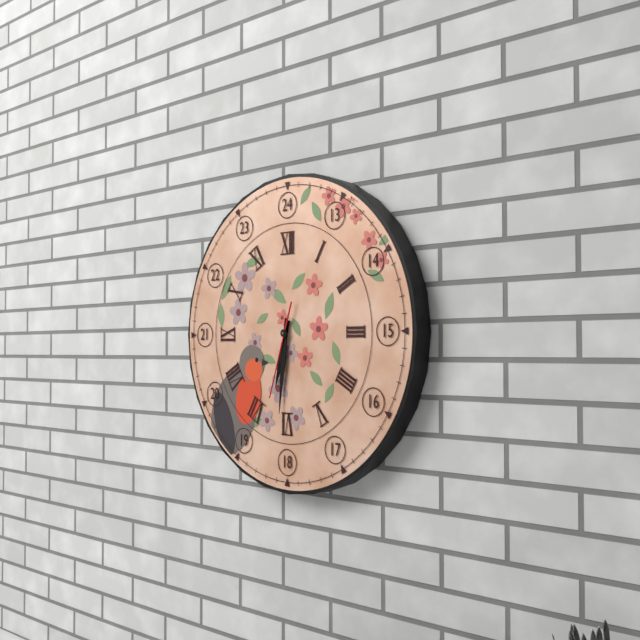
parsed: **6:31:33**
